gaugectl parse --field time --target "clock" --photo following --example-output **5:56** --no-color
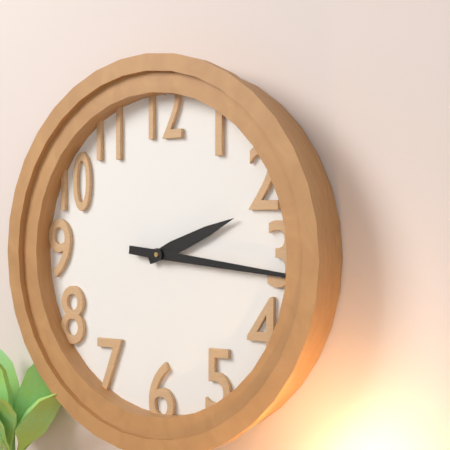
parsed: **2:16**
